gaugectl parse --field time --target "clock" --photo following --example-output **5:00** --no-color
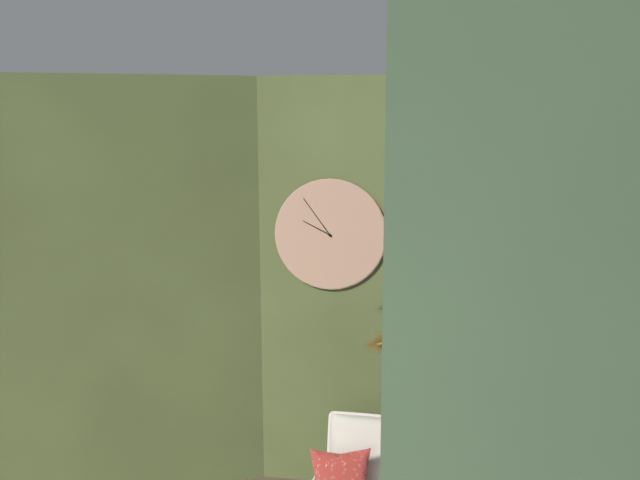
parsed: **9:54**
